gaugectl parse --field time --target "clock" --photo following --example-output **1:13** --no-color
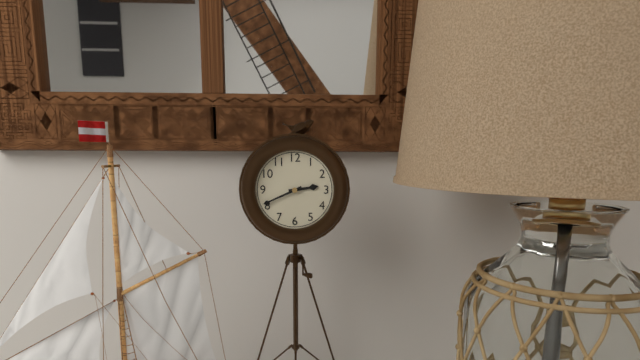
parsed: **2:41**
